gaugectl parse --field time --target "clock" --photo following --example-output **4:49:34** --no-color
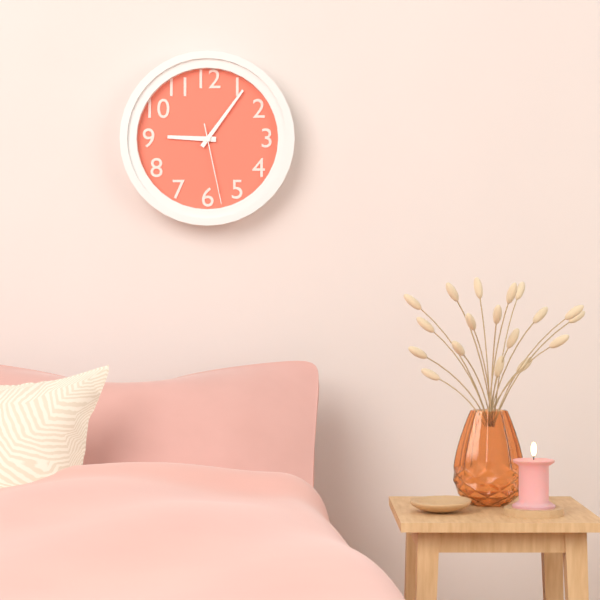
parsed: **9:06:28**
